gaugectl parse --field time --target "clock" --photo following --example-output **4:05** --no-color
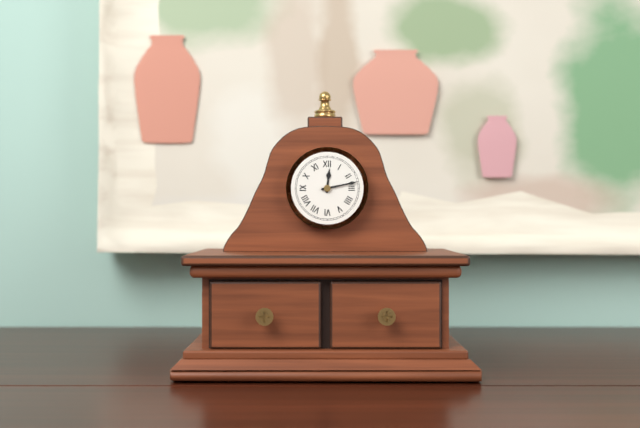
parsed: **12:13**
